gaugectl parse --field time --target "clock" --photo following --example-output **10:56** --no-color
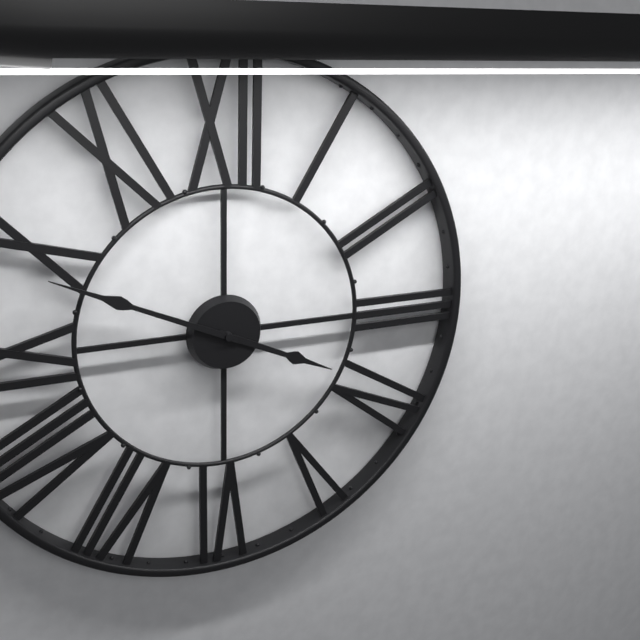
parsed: **3:49**
